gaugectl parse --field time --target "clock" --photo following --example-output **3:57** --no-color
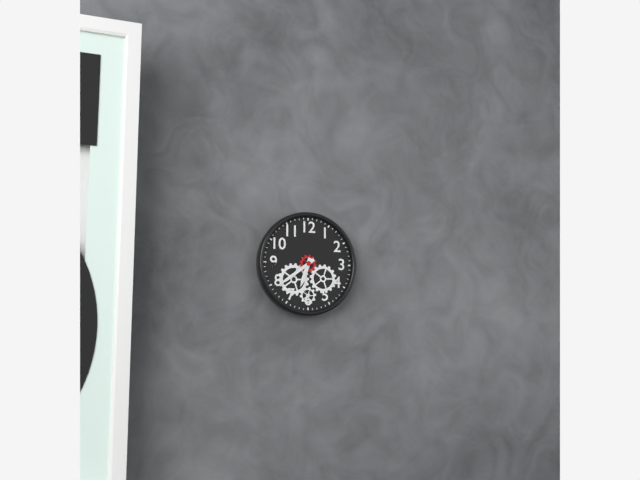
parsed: **6:39**
